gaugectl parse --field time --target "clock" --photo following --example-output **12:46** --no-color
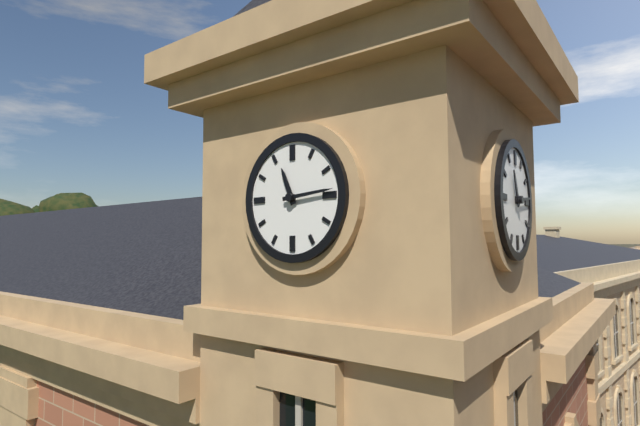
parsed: **11:14**
